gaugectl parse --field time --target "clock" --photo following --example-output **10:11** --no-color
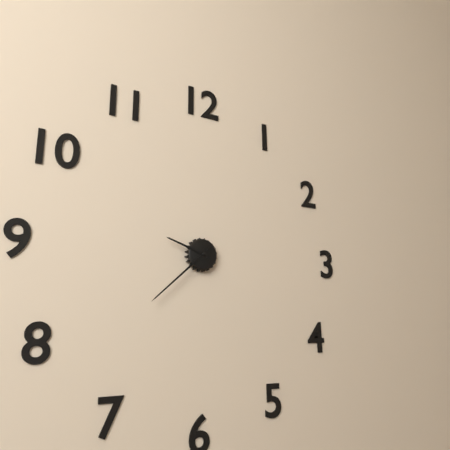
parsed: **9:38**
